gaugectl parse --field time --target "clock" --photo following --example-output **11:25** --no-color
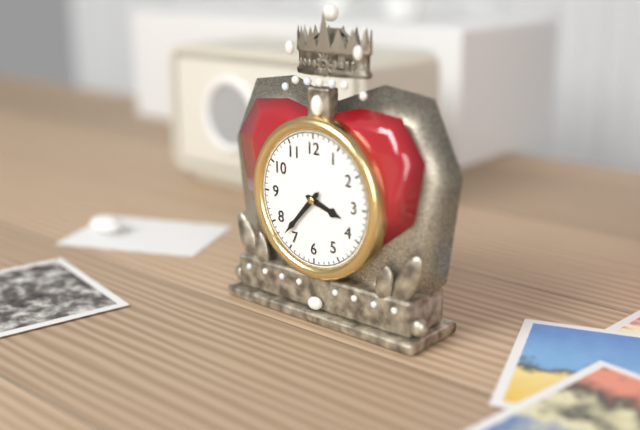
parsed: **3:37**
